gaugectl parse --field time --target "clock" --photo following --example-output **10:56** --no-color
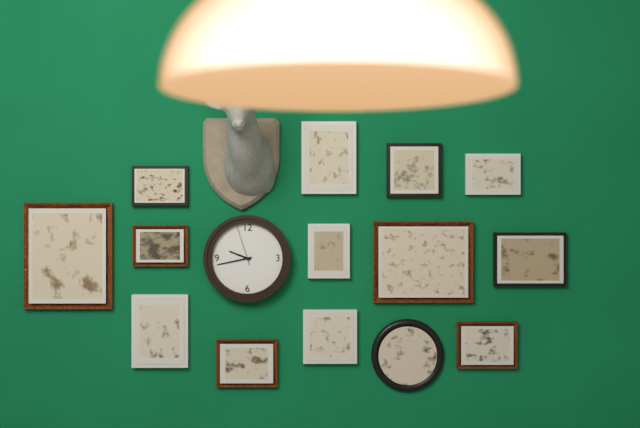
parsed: **9:43**
